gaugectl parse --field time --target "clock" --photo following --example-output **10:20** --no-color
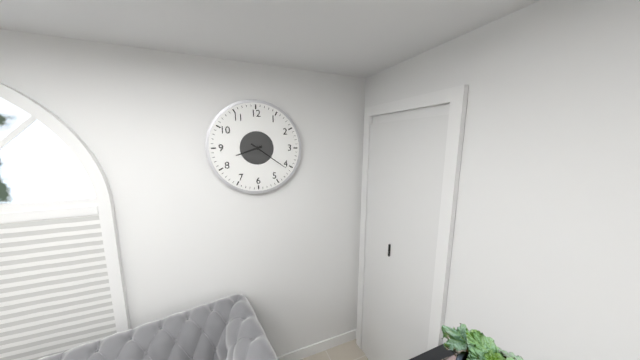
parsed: **8:21**
